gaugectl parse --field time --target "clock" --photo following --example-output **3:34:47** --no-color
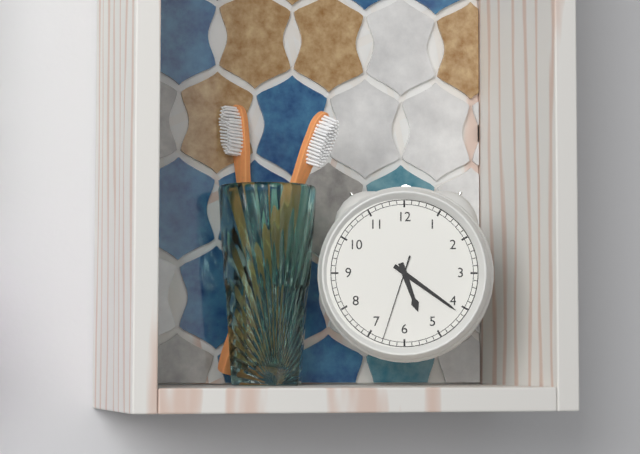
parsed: **5:21:33**
